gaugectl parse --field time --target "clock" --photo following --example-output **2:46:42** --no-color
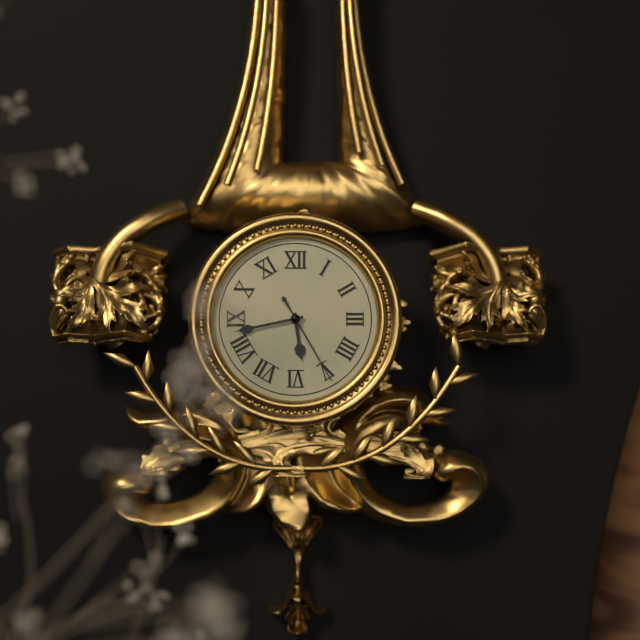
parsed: **5:43:25**
